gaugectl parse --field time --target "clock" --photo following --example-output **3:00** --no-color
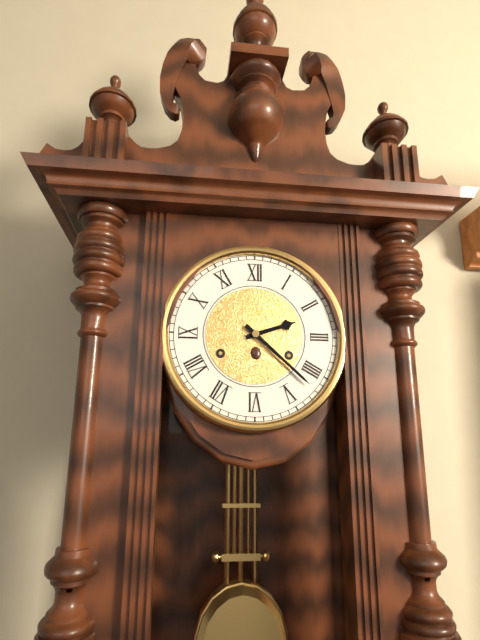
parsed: **2:22**
